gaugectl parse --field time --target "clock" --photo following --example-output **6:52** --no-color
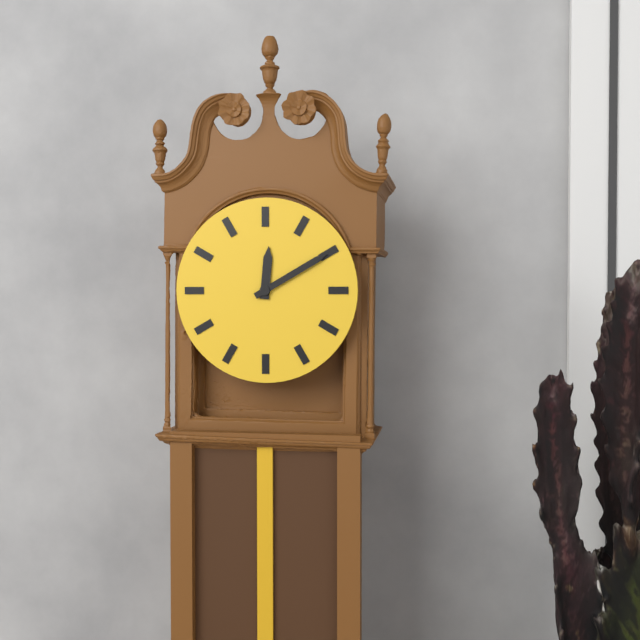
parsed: **12:10**
